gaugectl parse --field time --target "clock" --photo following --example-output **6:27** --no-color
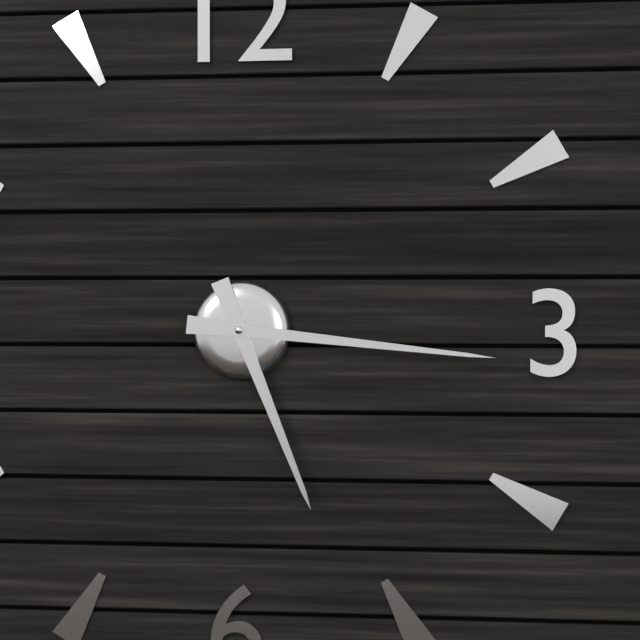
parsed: **5:16**
